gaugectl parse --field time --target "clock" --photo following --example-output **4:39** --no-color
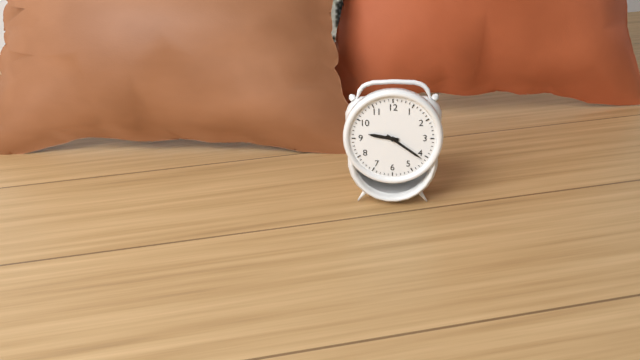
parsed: **9:21**
